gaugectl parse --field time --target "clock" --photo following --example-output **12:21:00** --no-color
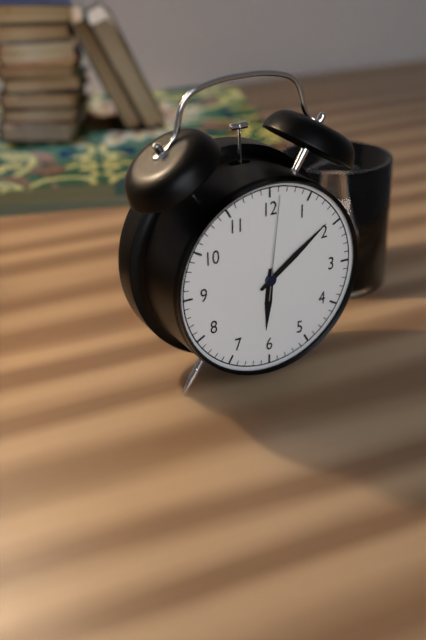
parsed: **6:09:01**
